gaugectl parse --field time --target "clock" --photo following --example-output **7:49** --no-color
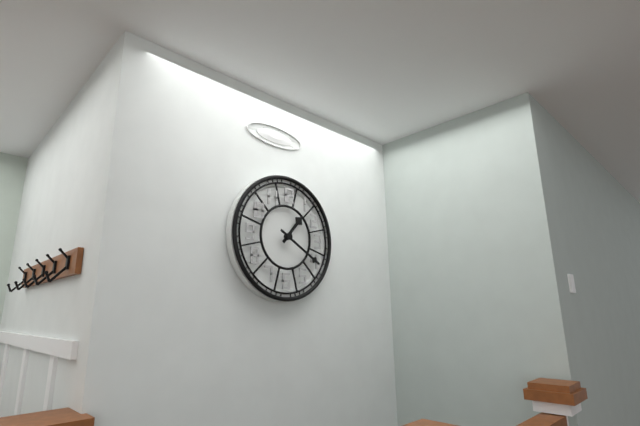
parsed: **1:20**
